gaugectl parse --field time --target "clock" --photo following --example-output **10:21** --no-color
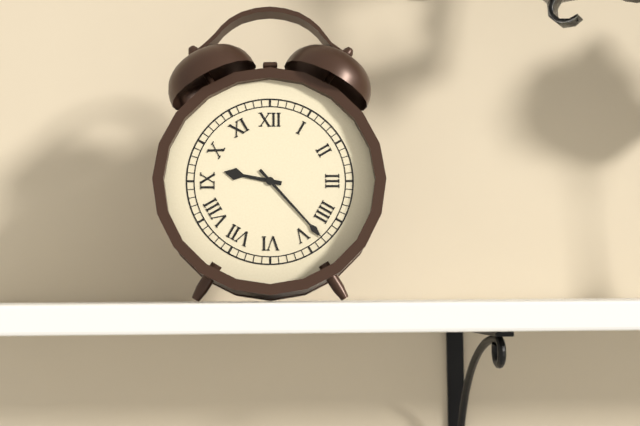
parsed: **9:23**
